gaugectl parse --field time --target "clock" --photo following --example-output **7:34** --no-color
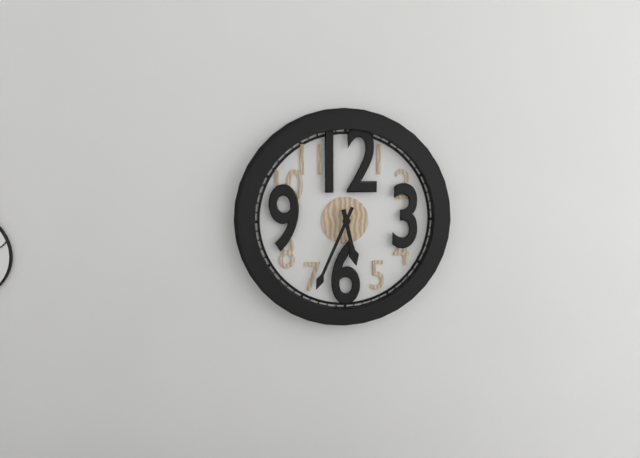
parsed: **5:34**
